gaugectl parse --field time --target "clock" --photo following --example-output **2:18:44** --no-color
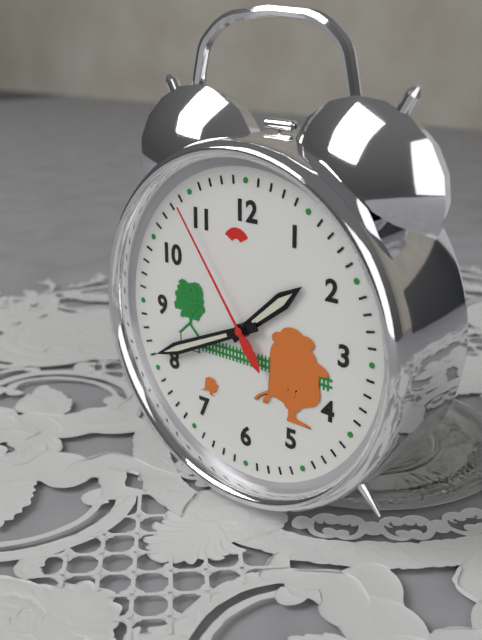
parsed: **1:41:54**
